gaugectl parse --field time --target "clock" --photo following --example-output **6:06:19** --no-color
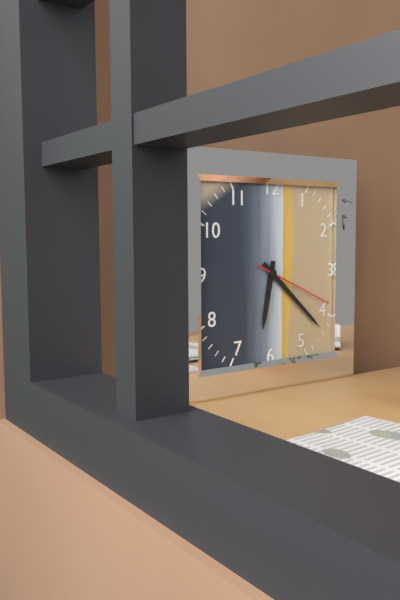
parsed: **6:22:19**
